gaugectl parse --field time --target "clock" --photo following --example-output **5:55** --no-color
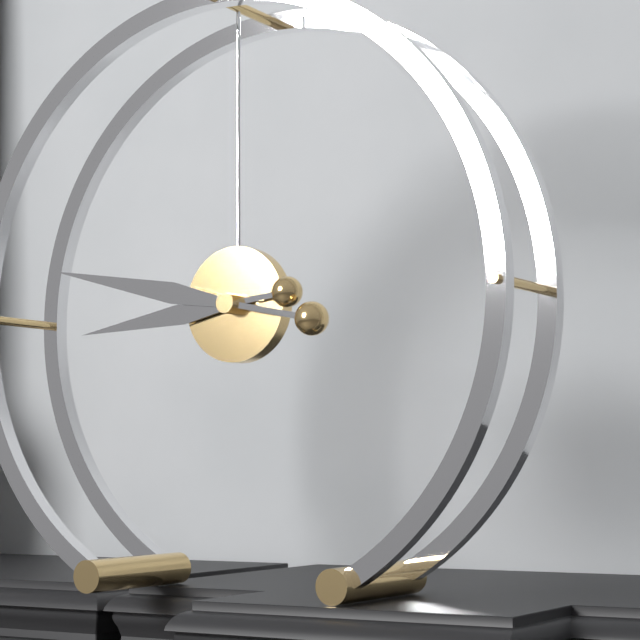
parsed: **8:47**
